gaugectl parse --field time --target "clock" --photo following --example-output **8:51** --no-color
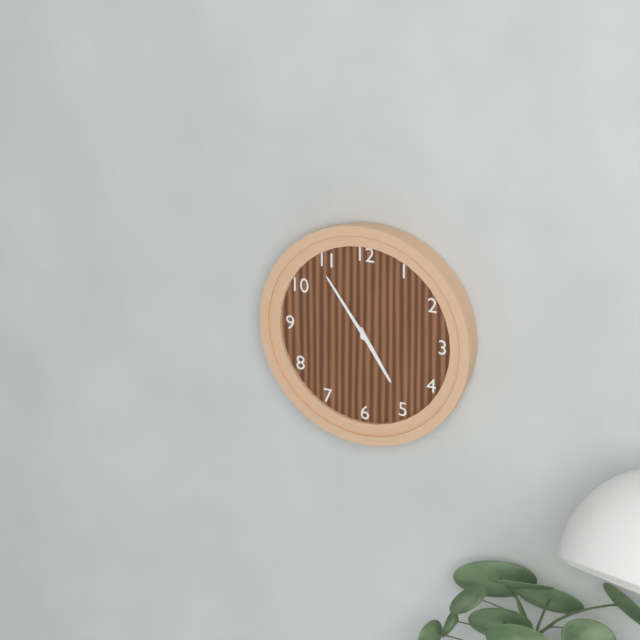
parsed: **4:54**
